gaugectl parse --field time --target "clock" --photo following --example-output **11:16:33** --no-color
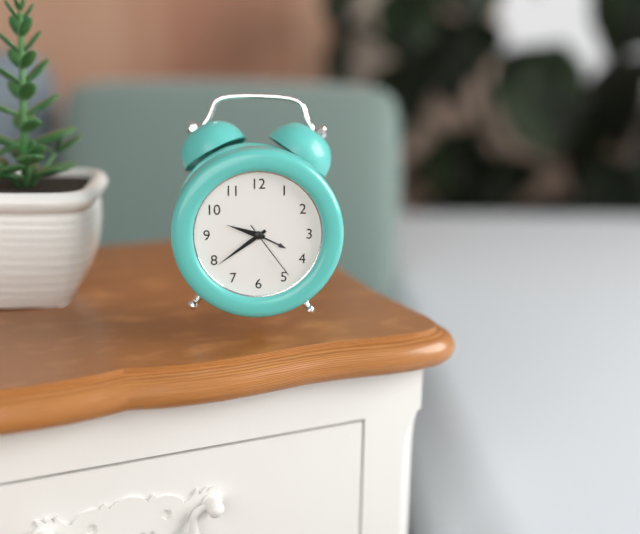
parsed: **9:39:24**
